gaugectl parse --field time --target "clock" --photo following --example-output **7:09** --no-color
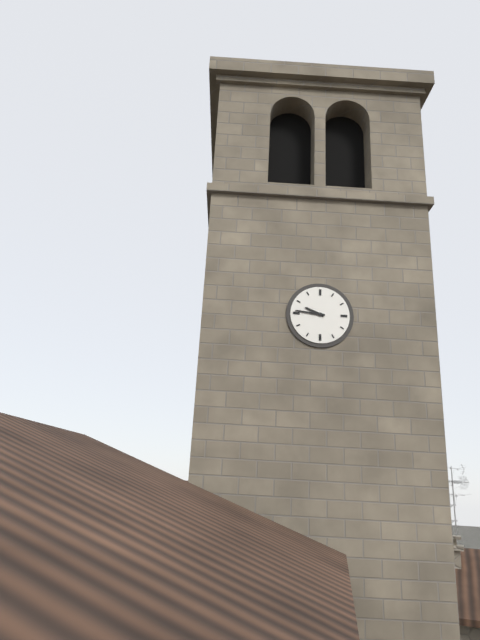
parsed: **9:46**
